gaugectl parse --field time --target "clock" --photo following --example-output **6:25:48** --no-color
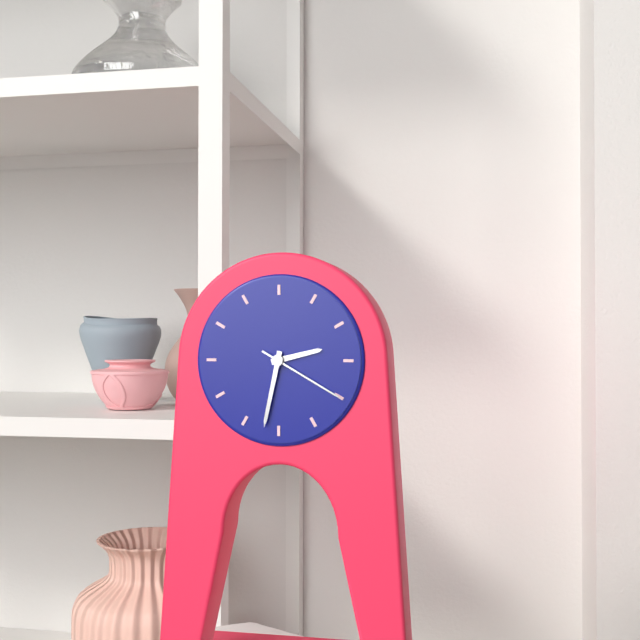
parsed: **2:32:20**
